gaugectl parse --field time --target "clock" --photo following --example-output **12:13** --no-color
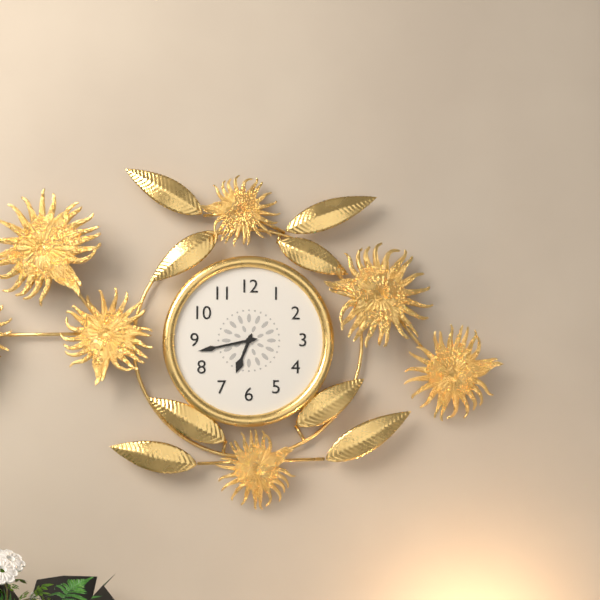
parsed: **6:43**
